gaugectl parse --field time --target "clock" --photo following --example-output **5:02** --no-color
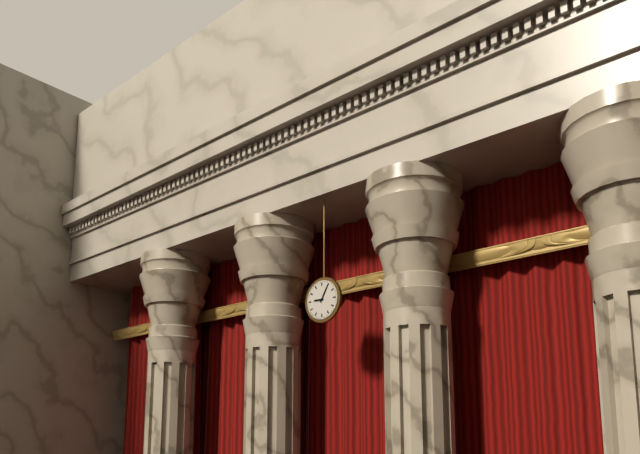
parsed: **9:05**
